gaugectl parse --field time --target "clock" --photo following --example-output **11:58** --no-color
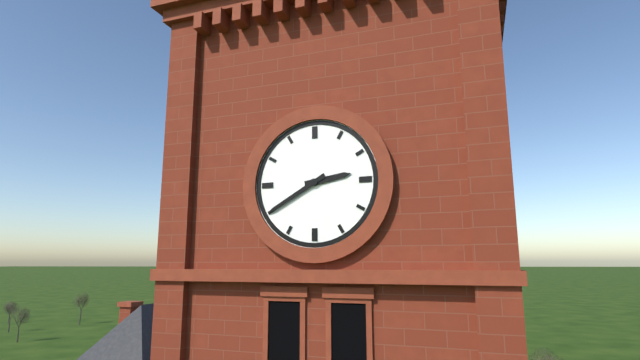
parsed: **2:40**
